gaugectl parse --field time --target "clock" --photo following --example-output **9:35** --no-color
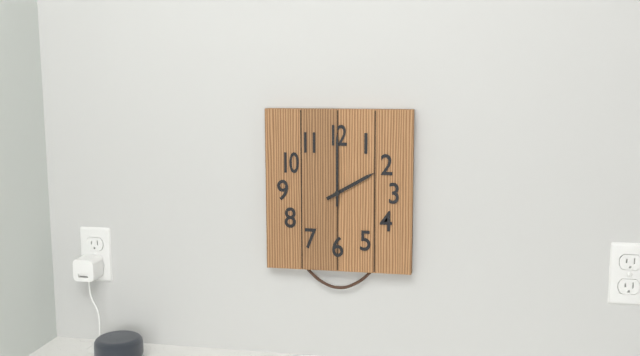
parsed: **2:00**
